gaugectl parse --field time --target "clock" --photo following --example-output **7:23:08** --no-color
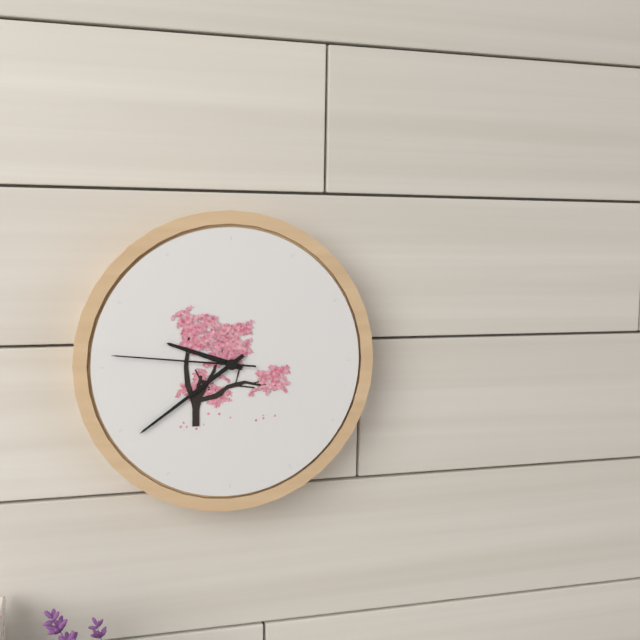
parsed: **9:39:46**
